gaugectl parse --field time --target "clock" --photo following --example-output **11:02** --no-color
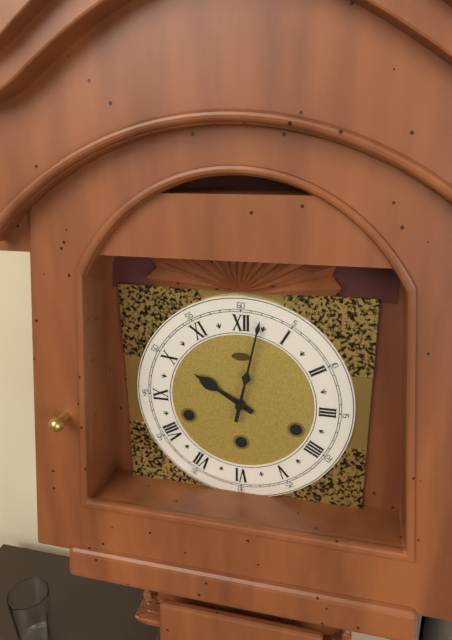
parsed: **10:02**
